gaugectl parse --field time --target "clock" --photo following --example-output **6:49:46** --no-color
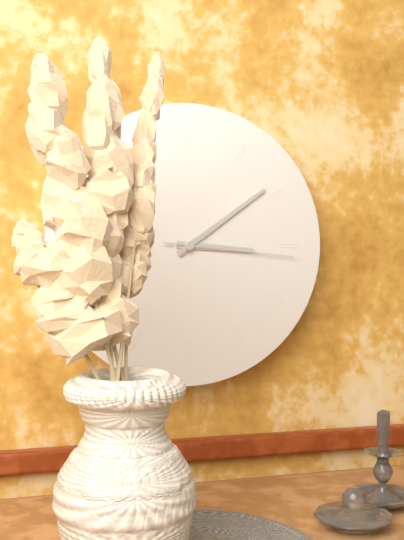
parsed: **3:09:16**
